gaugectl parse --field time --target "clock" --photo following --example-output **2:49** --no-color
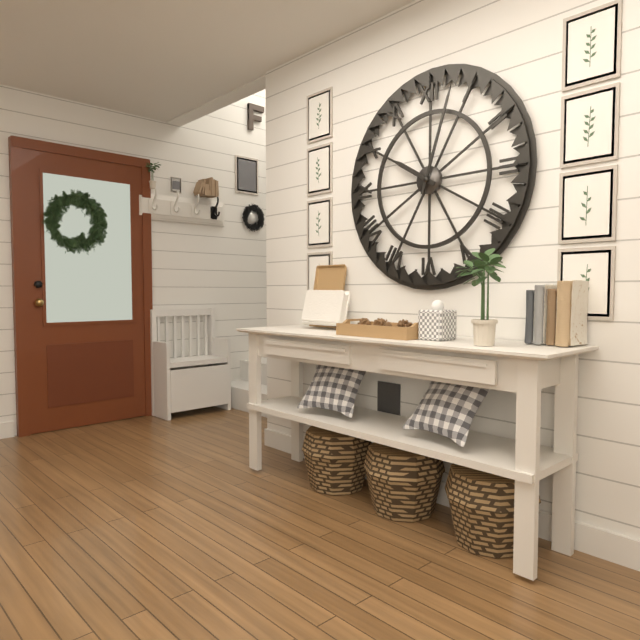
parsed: **10:03**
